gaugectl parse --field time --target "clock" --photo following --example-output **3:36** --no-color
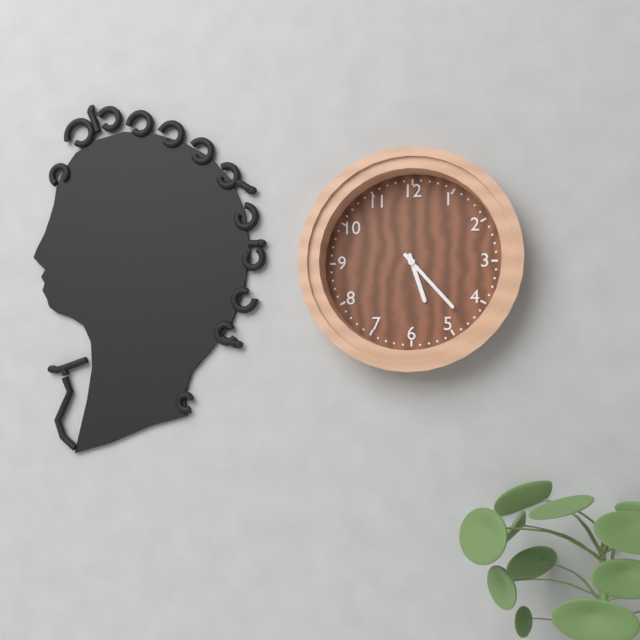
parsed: **5:23**
